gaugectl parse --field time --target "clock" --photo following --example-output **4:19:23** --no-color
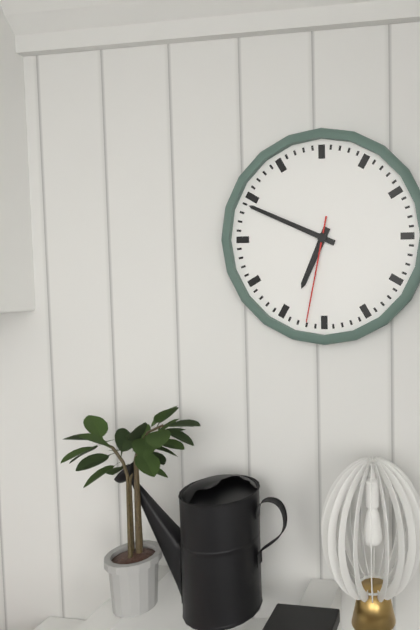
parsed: **6:49:32**
